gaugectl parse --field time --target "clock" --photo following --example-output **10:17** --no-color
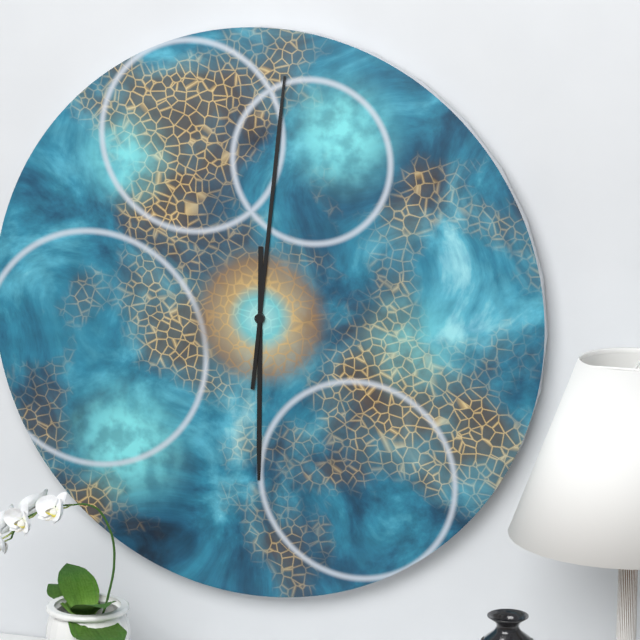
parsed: **6:01**
